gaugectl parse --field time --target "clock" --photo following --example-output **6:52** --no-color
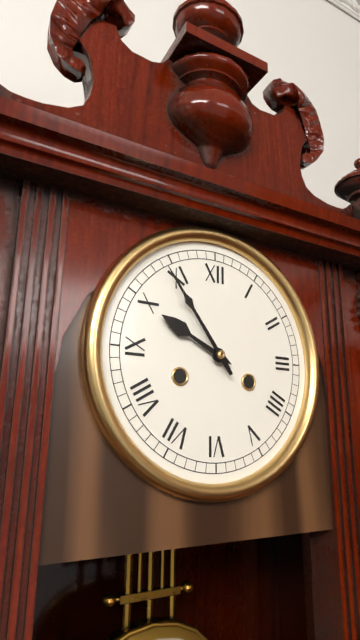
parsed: **9:54**
